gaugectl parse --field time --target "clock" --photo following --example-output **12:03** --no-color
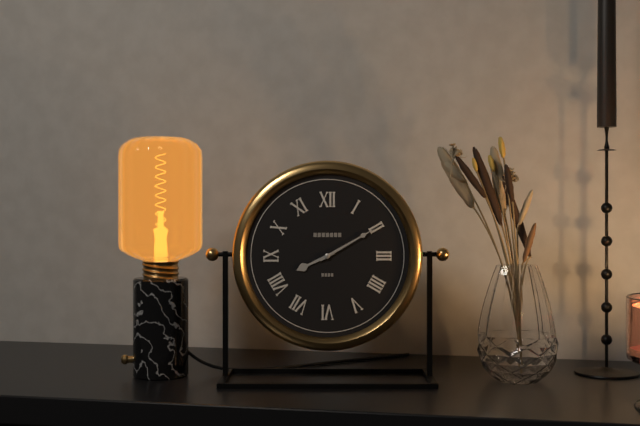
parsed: **8:10**
